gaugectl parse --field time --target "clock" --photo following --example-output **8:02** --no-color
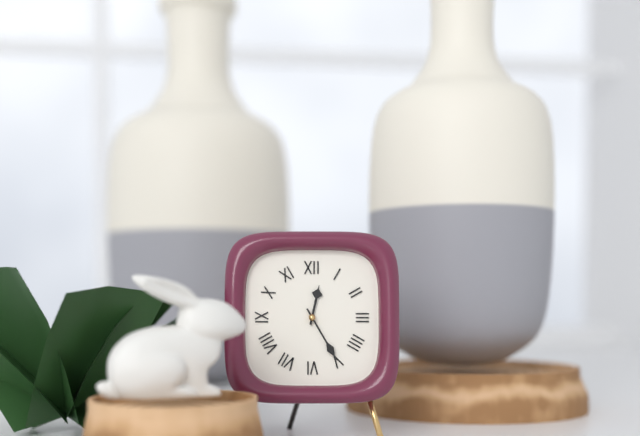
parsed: **12:25**
